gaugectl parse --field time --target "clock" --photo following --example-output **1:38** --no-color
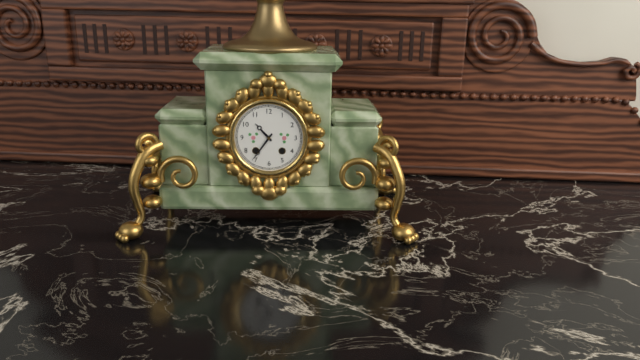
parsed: **10:36**
